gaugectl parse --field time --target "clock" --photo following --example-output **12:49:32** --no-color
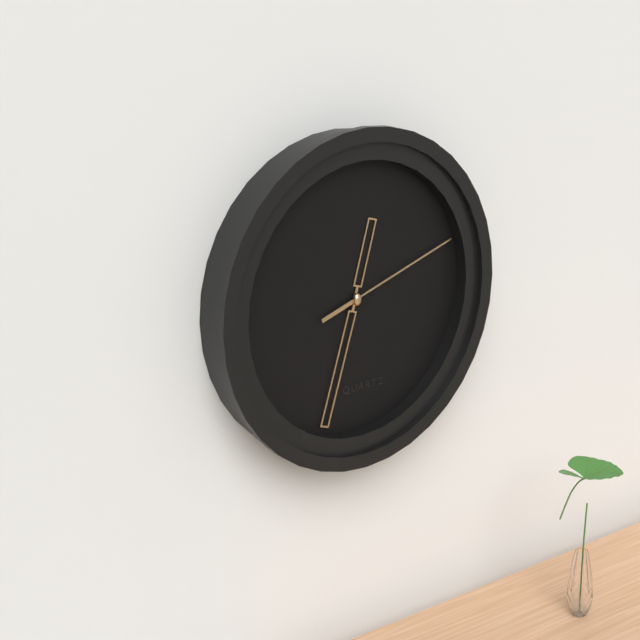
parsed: **12:33:12**
